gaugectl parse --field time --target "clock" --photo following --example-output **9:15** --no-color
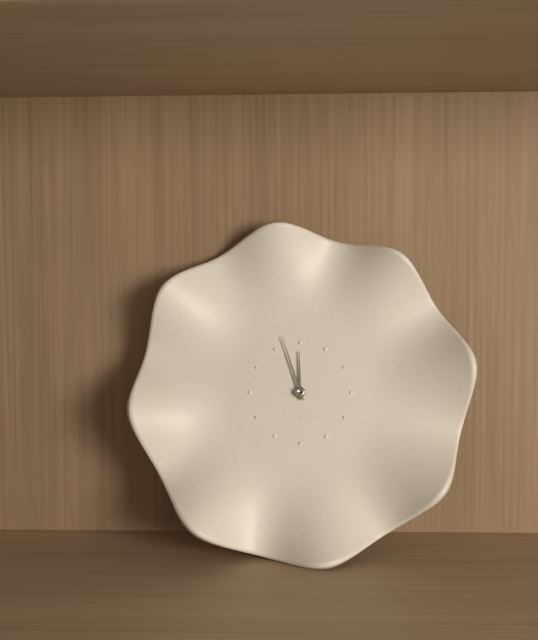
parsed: **11:57**
